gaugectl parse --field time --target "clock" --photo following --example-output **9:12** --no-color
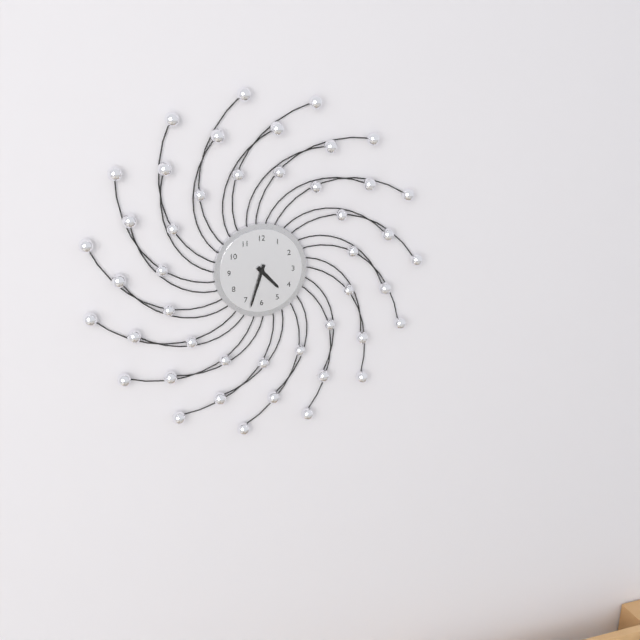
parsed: **4:33**
